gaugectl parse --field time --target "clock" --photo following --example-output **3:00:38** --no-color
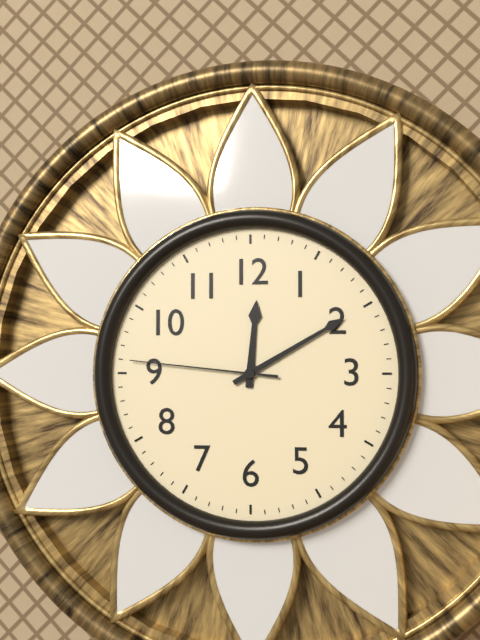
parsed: **12:10:46**
